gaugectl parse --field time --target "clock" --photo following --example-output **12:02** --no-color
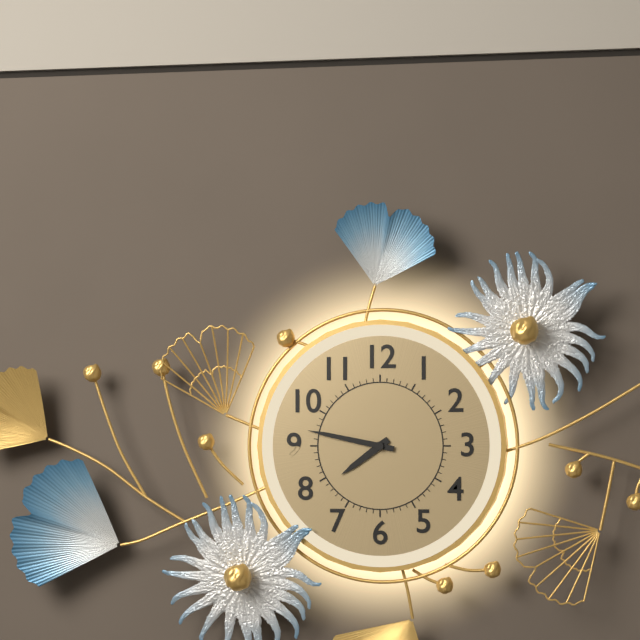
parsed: **7:47**
